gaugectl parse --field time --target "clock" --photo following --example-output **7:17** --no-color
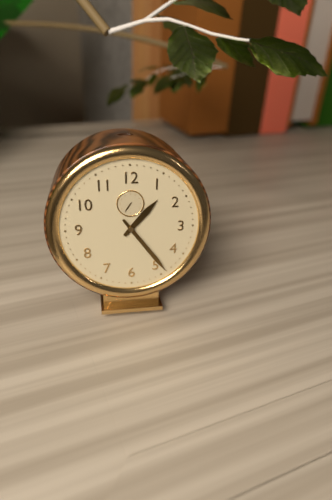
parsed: **1:24**
